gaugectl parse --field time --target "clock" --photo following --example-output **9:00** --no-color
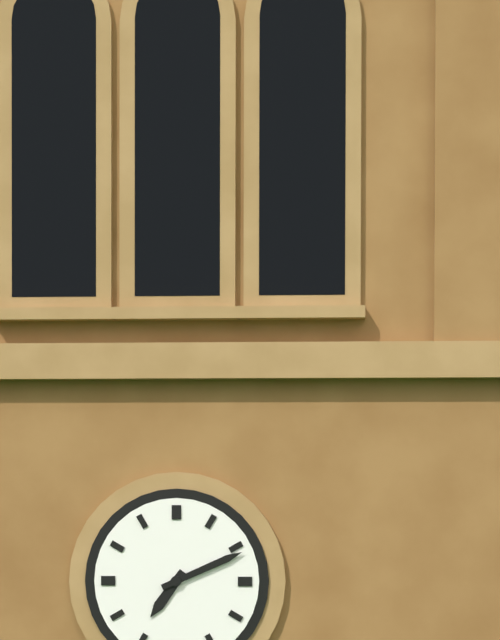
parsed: **7:11**
